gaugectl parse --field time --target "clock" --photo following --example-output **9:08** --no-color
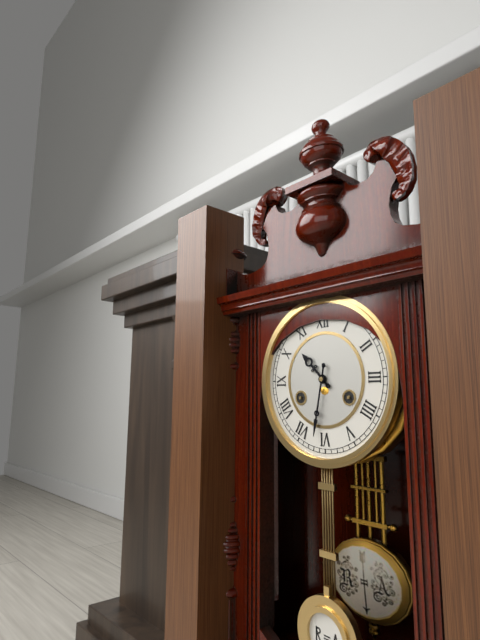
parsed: **10:32**
